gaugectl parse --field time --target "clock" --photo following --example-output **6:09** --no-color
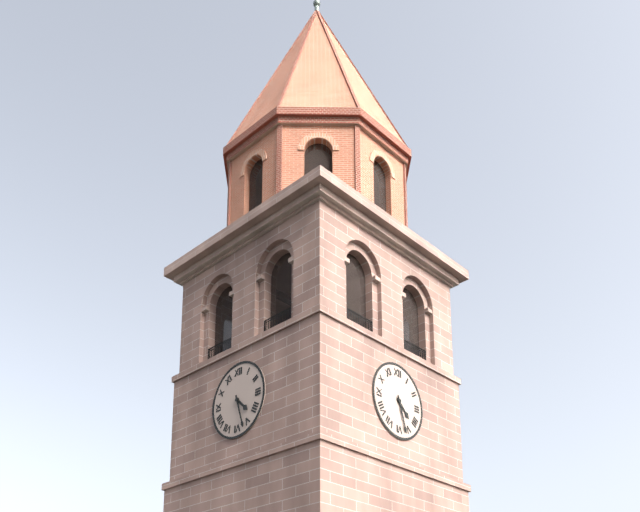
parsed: **4:27**
